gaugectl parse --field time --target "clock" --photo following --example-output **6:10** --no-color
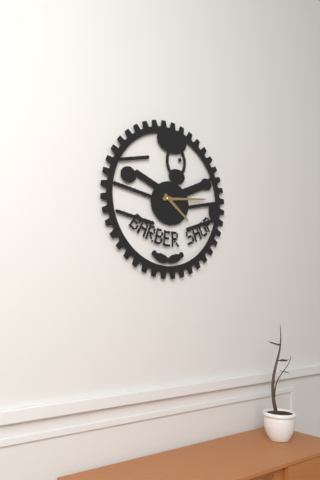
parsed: **4:14**
